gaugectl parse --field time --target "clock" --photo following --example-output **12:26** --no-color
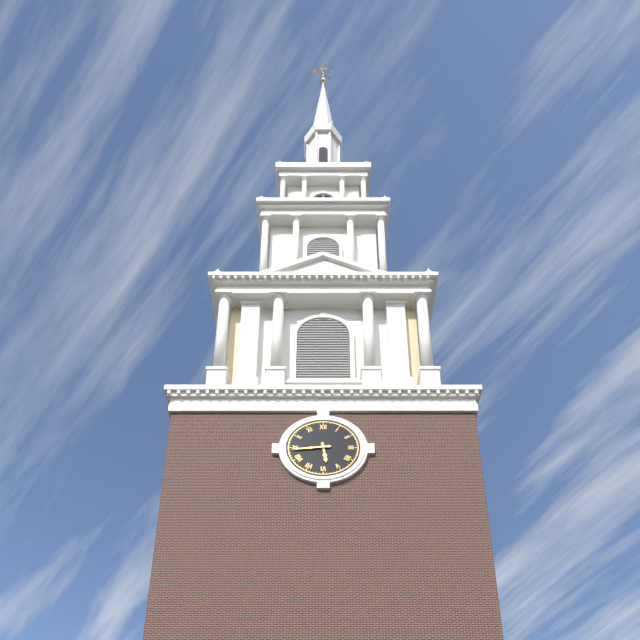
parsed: **5:44**
